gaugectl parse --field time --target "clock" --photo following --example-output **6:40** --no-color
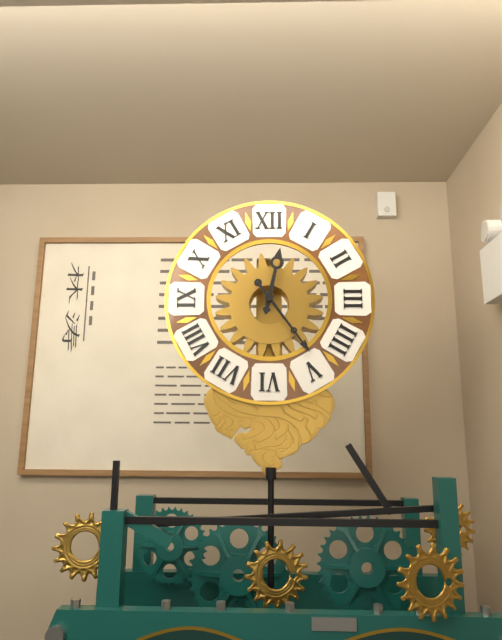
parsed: **12:24**
